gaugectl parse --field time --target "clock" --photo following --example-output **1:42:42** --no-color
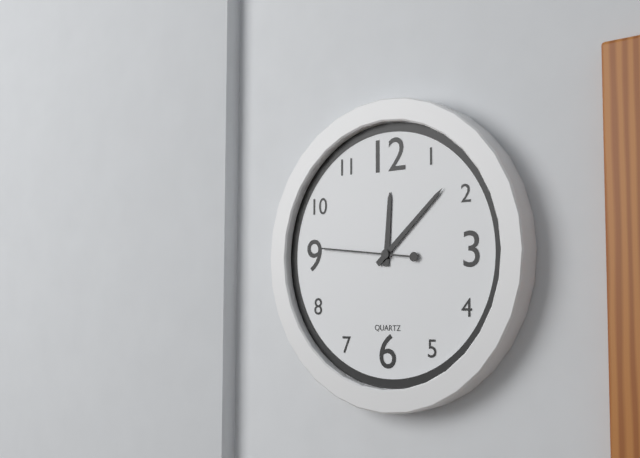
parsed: **12:08:46**
